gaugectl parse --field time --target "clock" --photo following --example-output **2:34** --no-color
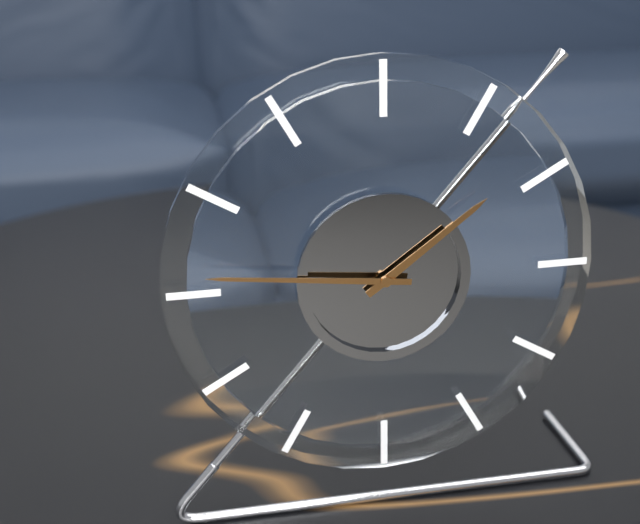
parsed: **1:46**
